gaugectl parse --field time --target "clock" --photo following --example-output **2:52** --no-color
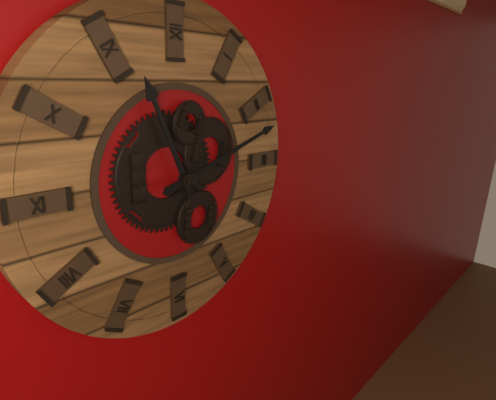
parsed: **11:12**
